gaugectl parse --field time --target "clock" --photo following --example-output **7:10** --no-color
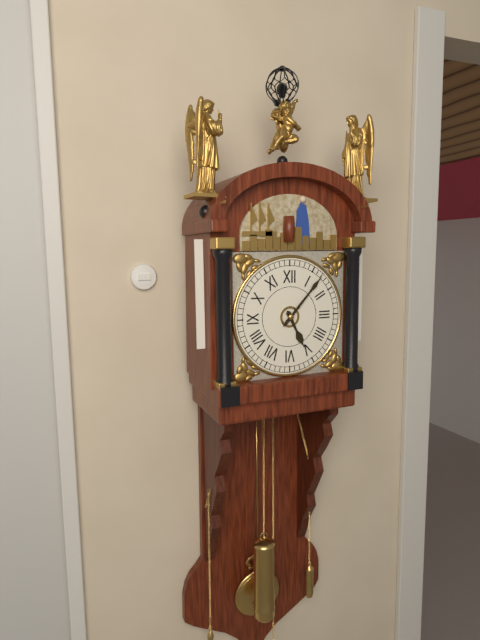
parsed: **5:07**
